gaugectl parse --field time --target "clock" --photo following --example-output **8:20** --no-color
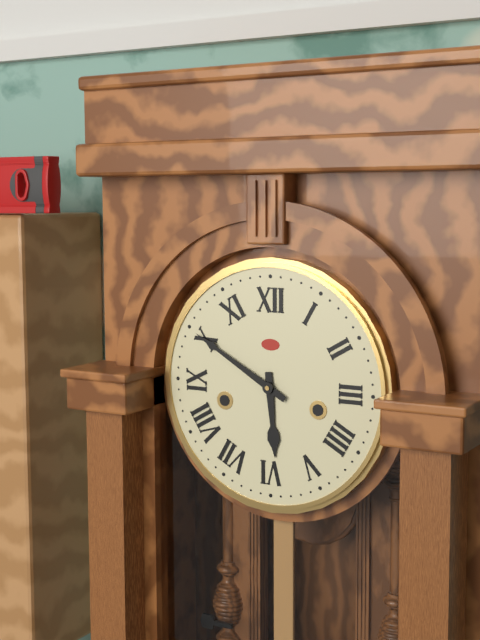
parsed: **5:50**
